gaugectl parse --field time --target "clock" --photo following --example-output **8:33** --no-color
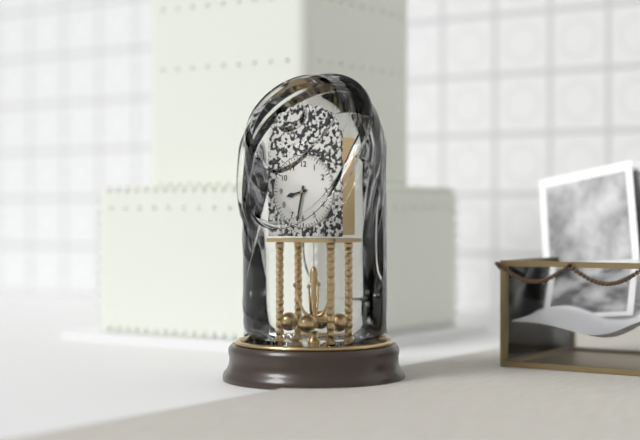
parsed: **8:32**
